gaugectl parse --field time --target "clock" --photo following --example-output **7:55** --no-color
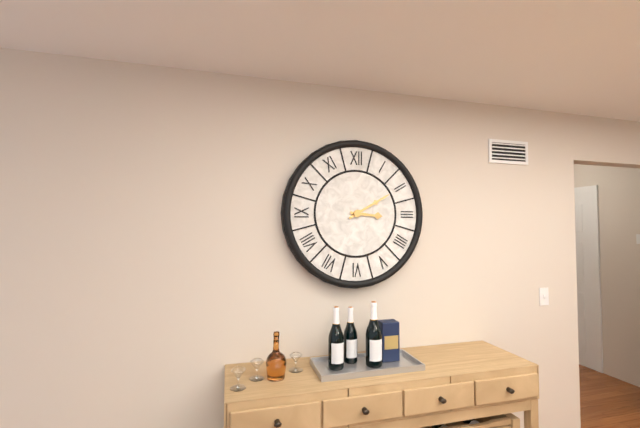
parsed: **3:10**
